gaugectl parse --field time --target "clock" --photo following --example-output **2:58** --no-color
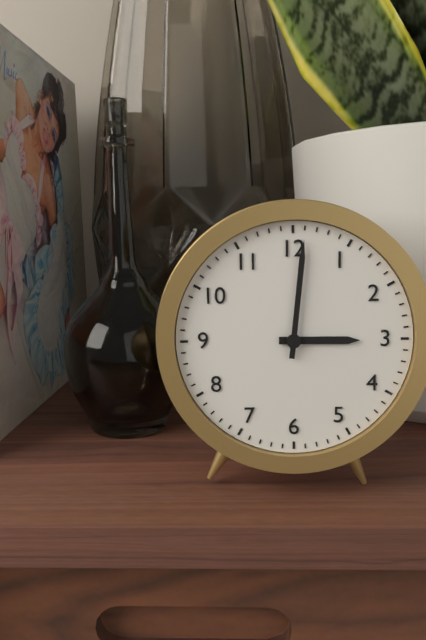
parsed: **3:01**
